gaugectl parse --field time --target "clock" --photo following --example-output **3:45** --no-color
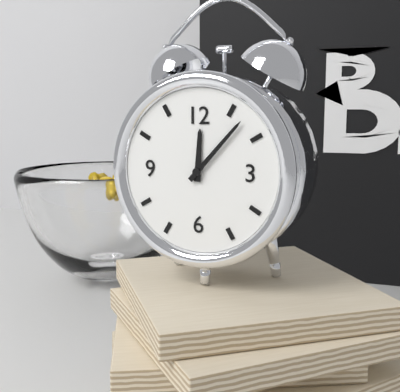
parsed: **12:07**
